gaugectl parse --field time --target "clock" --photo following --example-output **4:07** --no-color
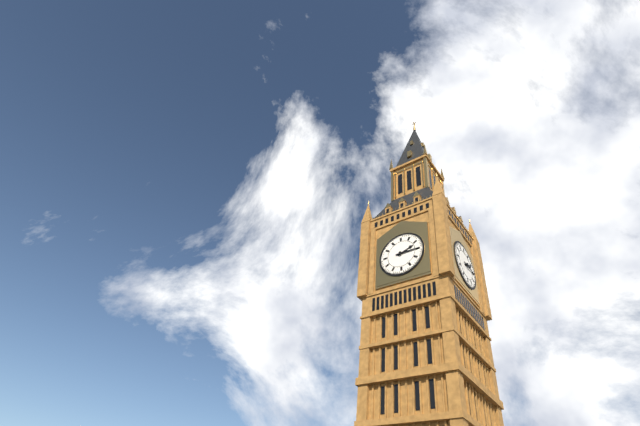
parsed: **2:15**
